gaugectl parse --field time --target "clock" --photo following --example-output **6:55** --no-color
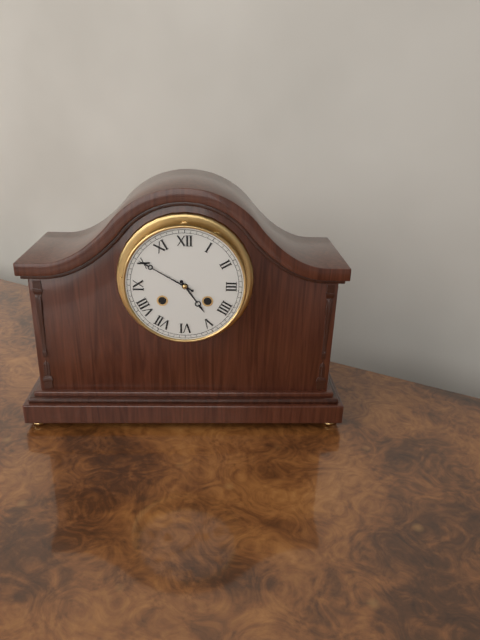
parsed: **4:50**
